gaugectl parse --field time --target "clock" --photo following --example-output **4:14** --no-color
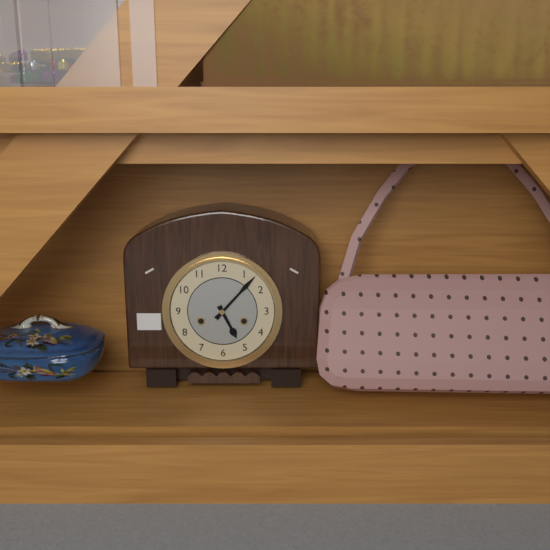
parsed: **5:07**
